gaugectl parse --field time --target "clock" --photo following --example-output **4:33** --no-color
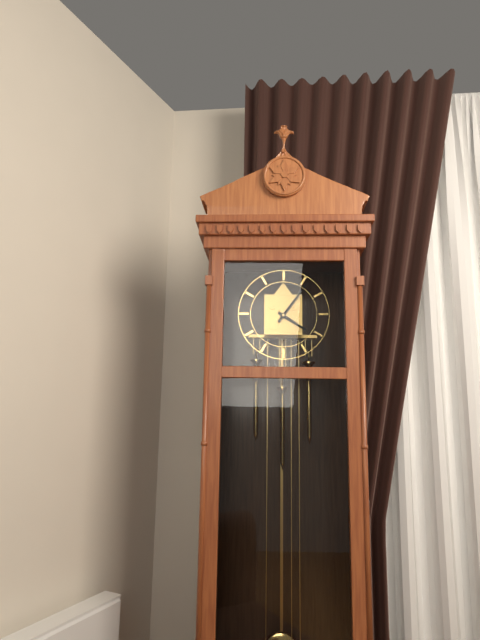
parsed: **4:06**
